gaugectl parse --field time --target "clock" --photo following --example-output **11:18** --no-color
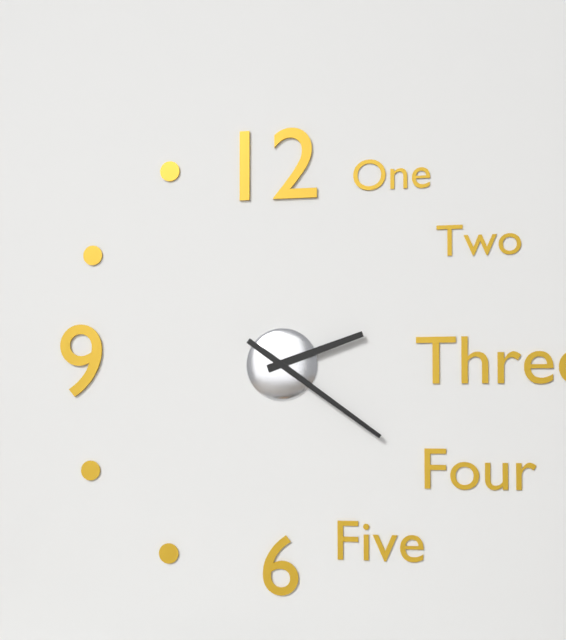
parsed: **2:21**
